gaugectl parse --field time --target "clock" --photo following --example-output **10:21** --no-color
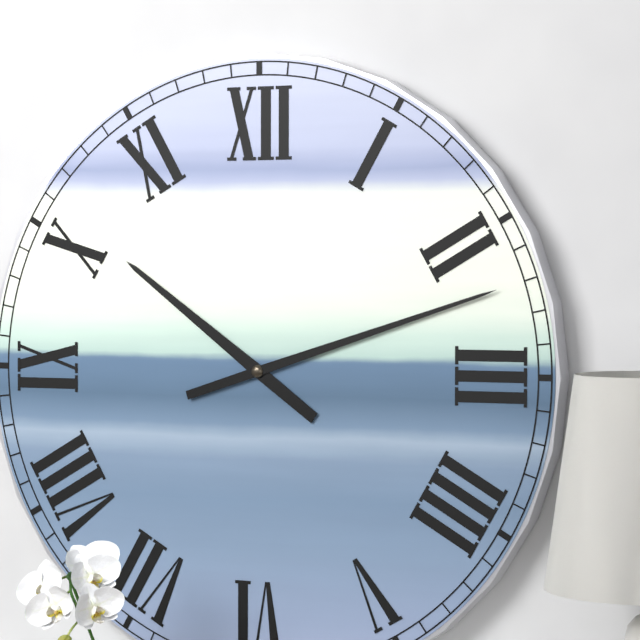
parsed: **10:12**
